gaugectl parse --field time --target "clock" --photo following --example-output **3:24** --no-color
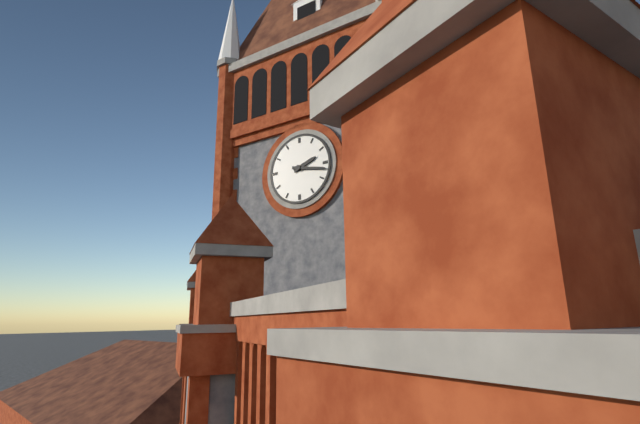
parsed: **2:17**
